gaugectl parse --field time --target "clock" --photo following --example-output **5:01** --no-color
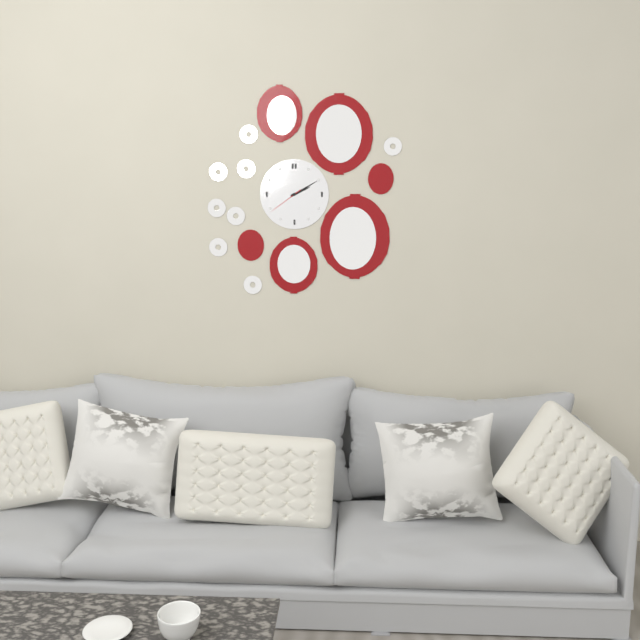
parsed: **2:10**
